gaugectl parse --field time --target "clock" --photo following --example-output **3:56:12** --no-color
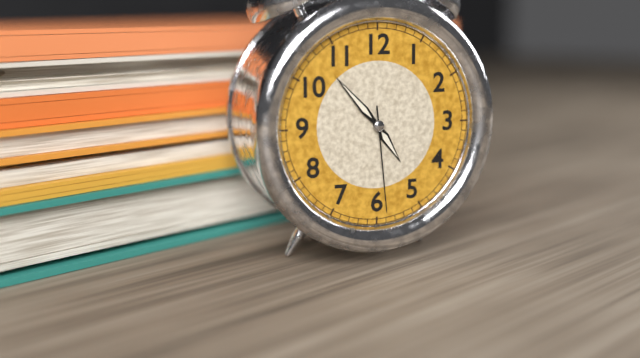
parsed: **4:53:29**
